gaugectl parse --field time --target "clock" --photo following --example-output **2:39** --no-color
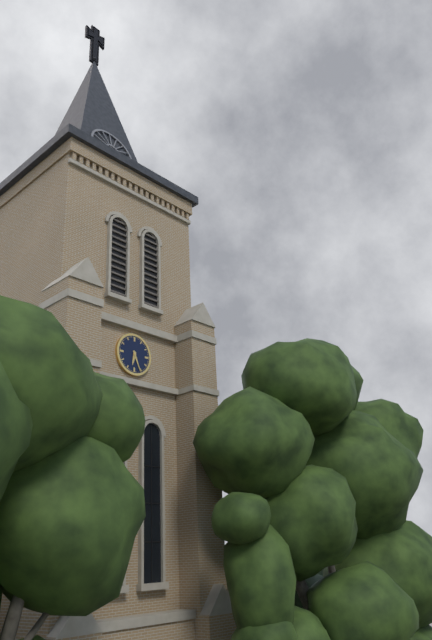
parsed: **6:26**
